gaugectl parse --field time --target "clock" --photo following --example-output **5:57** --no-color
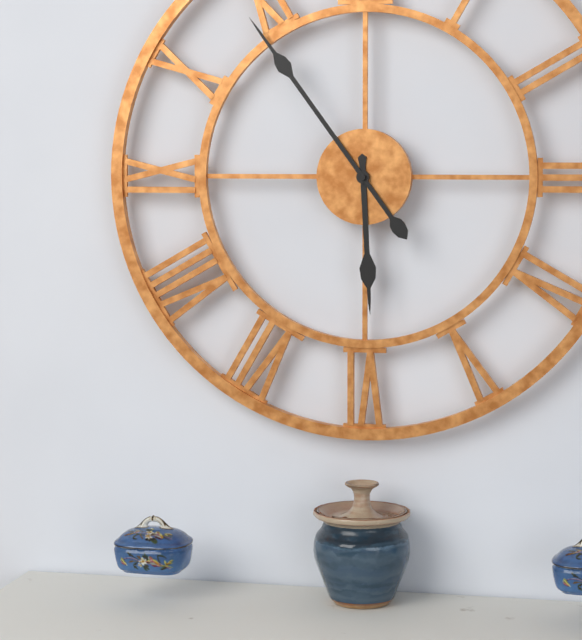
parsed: **5:54**
